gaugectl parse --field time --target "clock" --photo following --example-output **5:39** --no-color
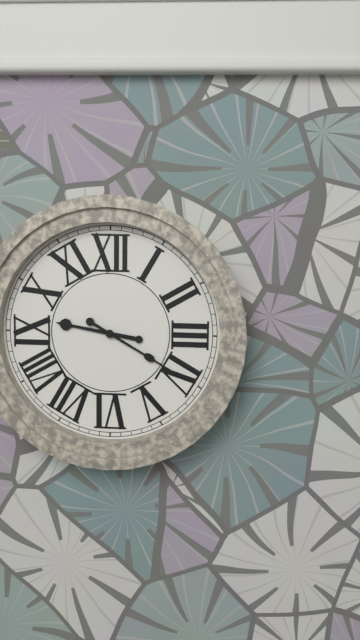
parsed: **9:20**
